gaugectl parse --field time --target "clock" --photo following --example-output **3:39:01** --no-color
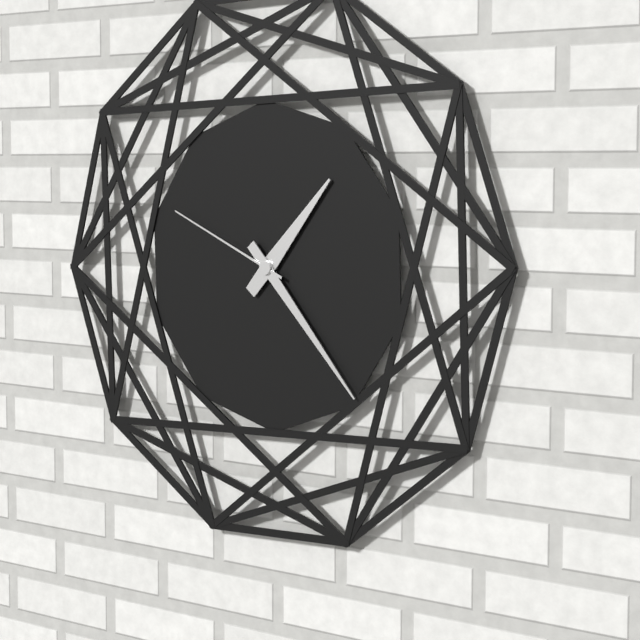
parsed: **1:23:49**
